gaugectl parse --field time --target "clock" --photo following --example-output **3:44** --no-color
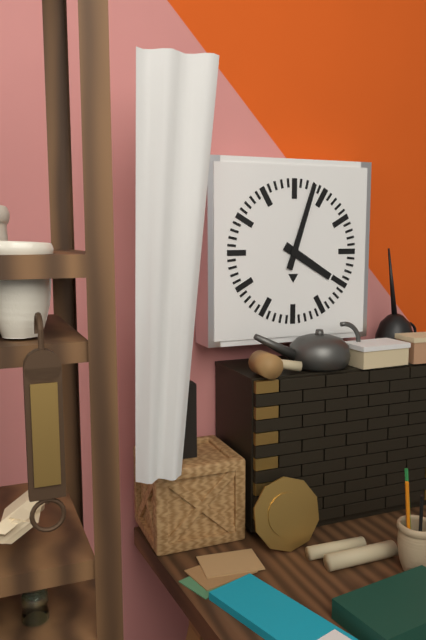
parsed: **4:03**
